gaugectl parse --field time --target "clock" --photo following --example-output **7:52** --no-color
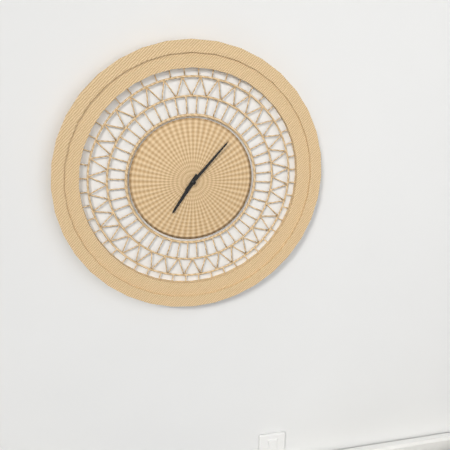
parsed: **7:07**
